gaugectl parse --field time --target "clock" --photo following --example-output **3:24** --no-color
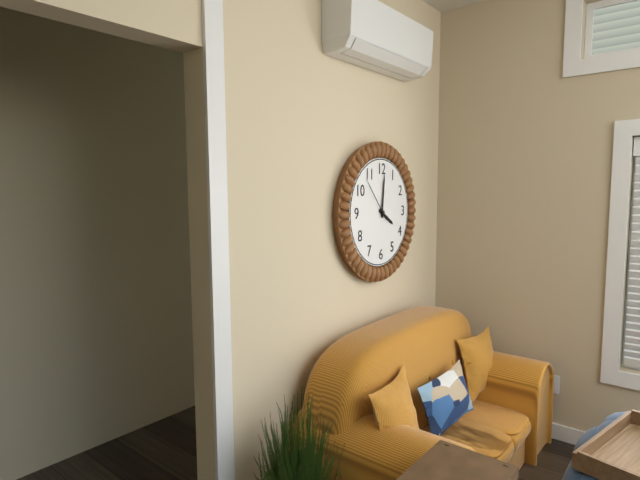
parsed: **4:01**
